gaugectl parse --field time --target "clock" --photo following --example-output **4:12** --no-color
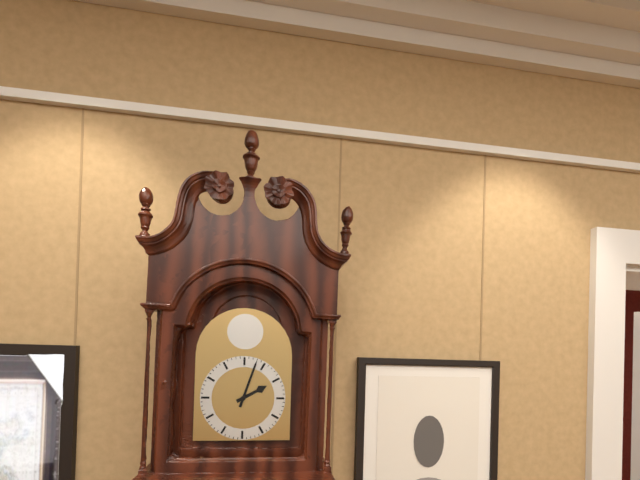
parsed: **2:03**
